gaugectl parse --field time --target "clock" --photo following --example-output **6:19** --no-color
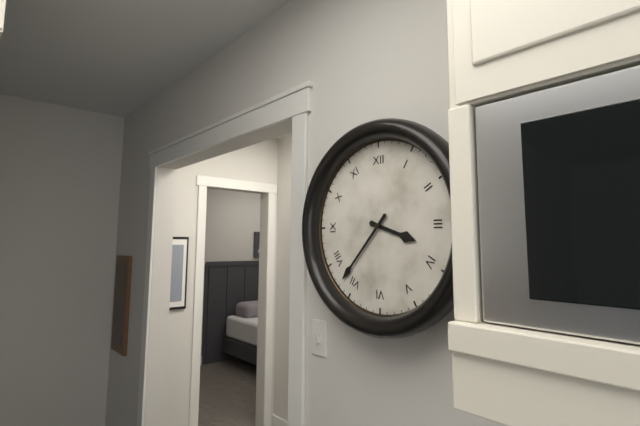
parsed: **3:37**
